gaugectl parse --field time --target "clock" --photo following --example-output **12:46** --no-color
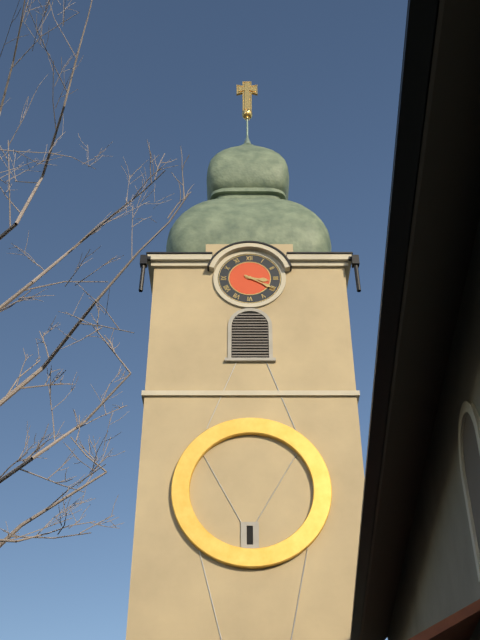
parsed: **3:20**
